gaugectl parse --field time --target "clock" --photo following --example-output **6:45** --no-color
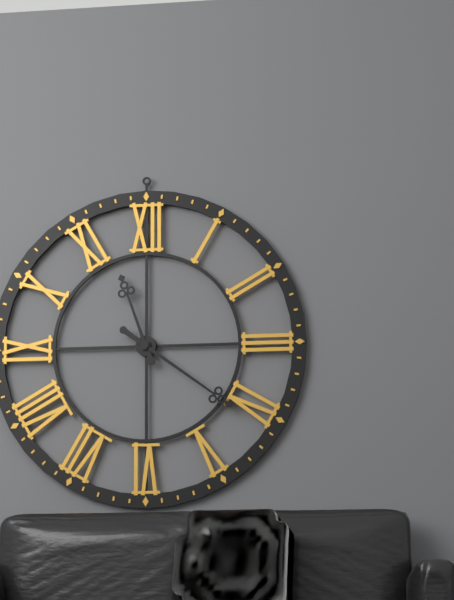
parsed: **11:21**
